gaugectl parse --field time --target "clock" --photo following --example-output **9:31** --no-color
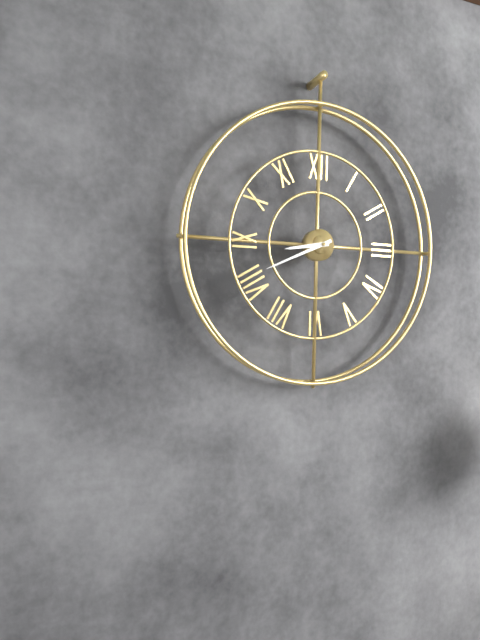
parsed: **8:41**
